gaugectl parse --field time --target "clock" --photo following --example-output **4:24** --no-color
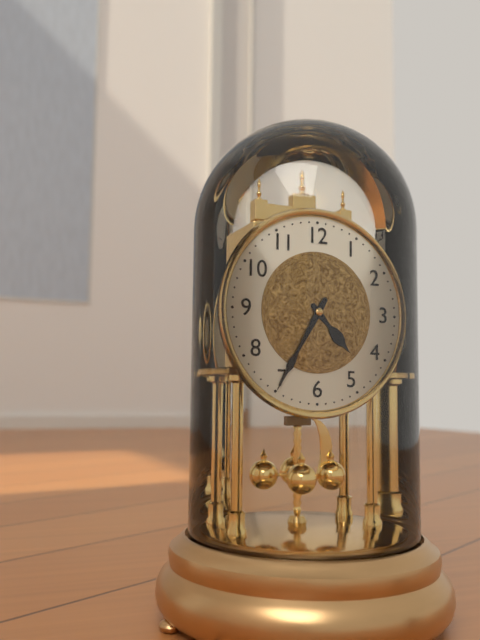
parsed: **4:35**
